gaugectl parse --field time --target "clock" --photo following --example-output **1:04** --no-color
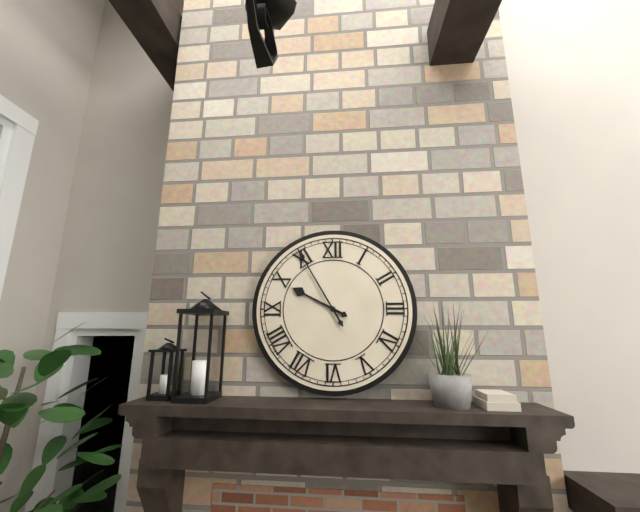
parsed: **9:55**
